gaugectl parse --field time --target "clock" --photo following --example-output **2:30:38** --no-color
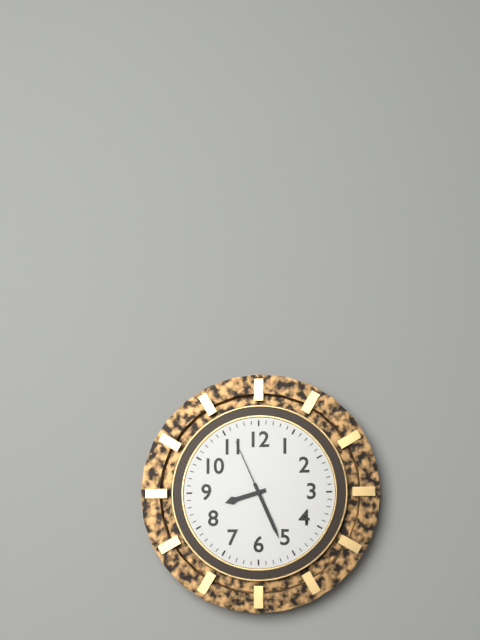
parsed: **8:26:56**
